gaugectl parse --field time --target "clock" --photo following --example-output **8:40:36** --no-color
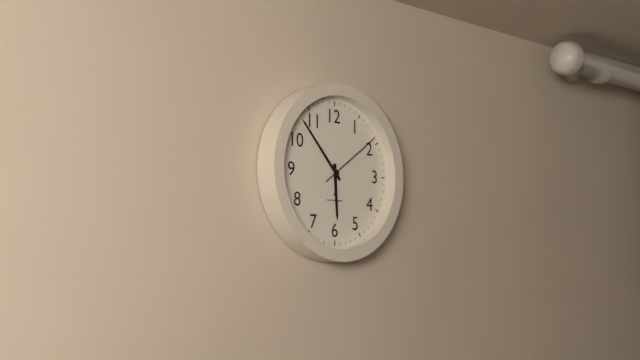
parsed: **5:53:09**
